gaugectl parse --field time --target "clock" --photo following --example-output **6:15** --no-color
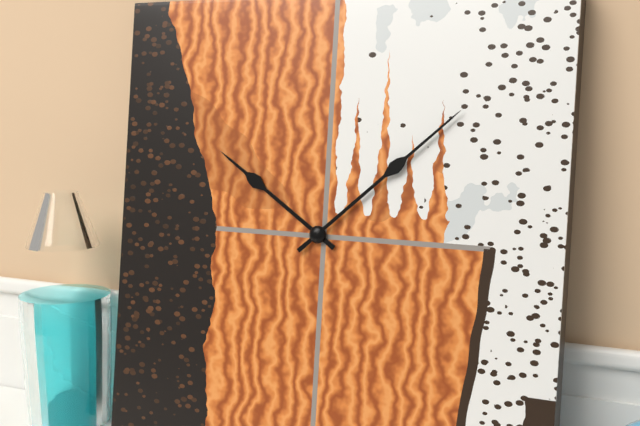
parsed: **10:08**
